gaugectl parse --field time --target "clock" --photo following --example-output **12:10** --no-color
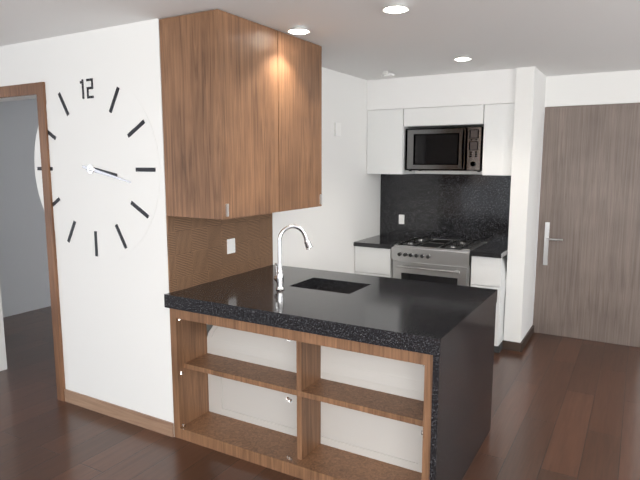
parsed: **3:17**
